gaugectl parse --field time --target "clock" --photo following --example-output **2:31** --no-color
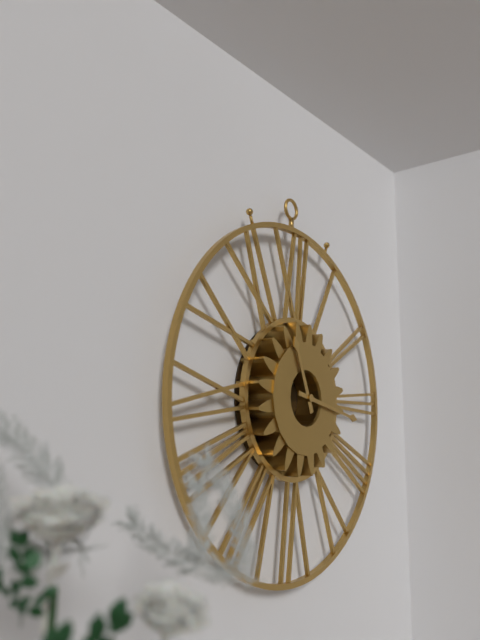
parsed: **11:17**
